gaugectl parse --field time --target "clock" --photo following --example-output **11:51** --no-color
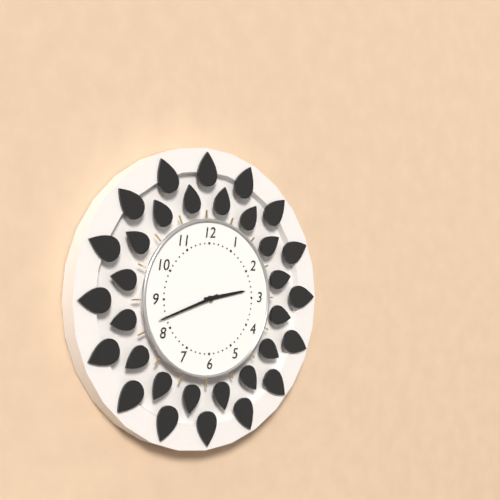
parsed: **2:42**
